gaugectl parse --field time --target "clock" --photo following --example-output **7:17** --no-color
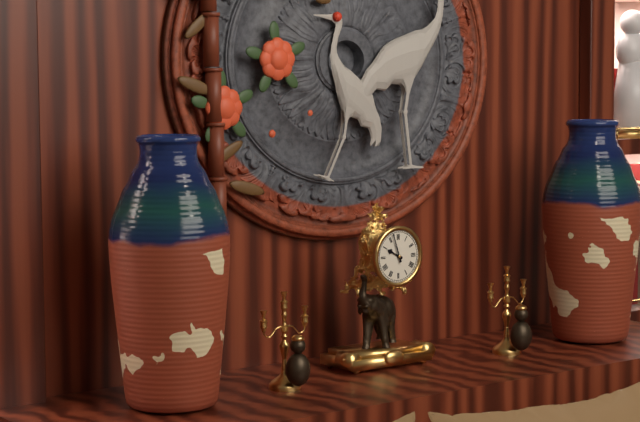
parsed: **9:57**
